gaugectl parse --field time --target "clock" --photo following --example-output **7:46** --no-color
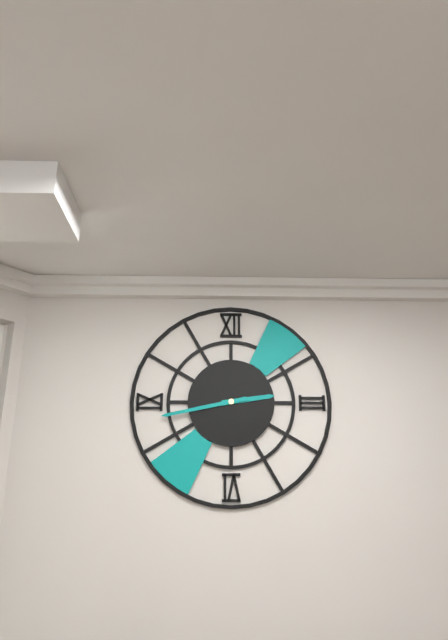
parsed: **2:43**
